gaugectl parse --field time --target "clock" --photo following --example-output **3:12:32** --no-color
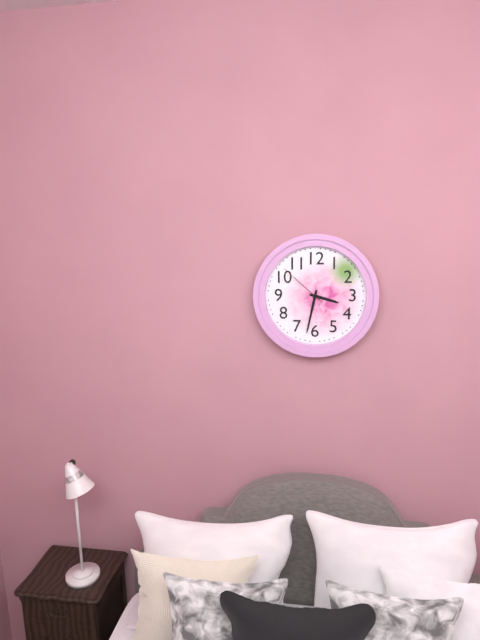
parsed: **3:32:52**
